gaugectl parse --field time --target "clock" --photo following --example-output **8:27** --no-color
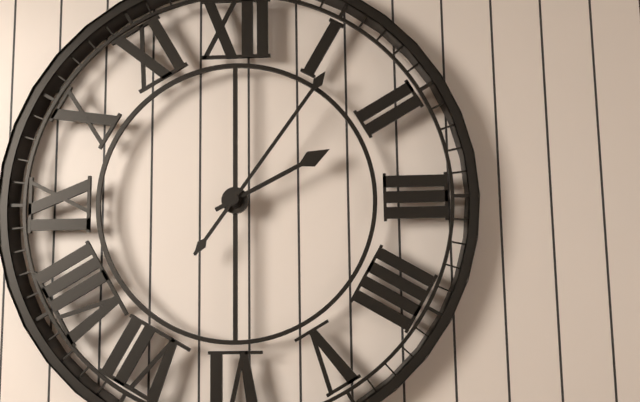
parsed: **2:06**
